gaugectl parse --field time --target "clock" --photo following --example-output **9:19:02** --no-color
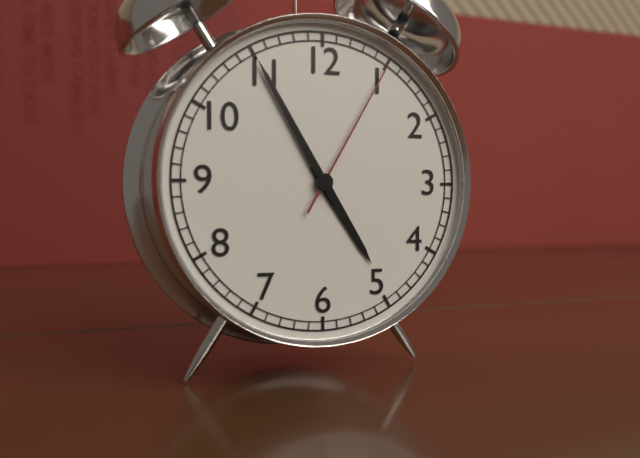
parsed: **4:55:05**
